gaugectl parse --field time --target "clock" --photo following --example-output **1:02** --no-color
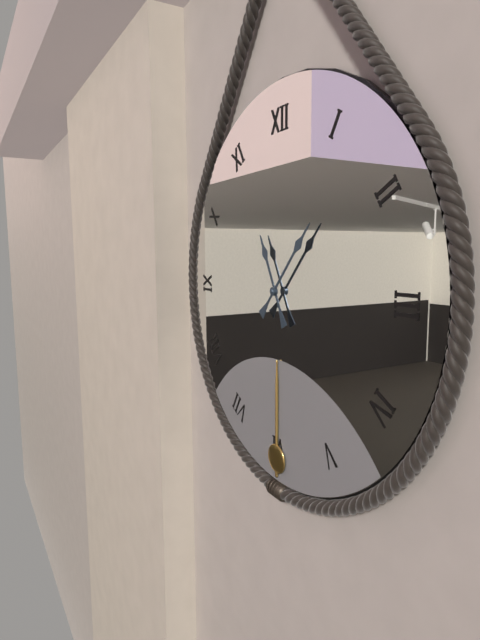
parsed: **11:07**
